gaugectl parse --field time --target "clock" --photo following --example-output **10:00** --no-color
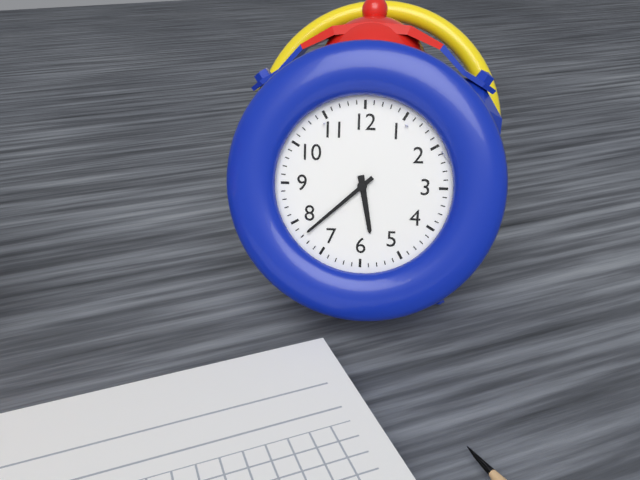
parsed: **5:38**
